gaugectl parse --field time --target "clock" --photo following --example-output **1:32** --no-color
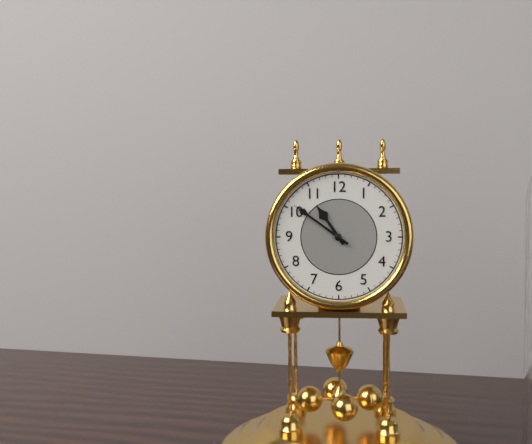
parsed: **10:51**
